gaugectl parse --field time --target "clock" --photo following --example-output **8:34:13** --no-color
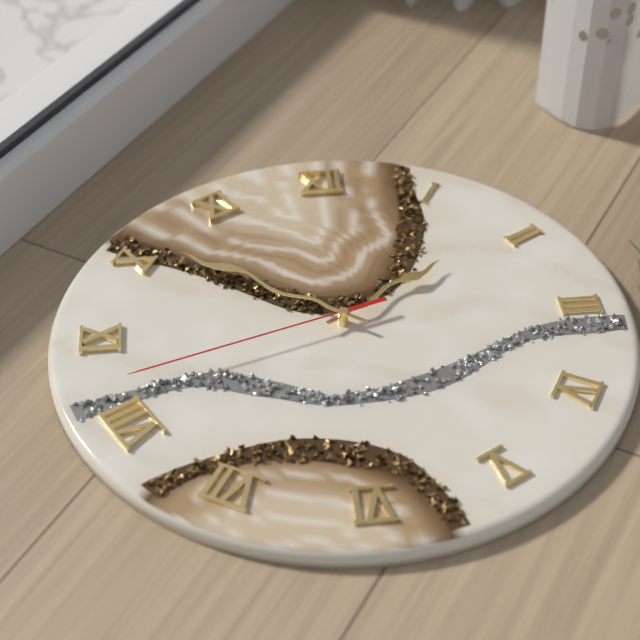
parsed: **1:51:42**
